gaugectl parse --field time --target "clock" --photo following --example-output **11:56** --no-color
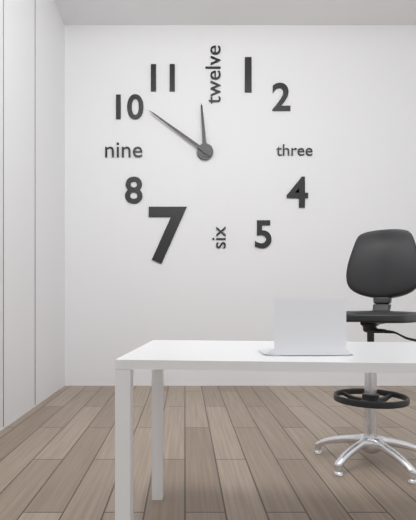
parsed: **11:51**
